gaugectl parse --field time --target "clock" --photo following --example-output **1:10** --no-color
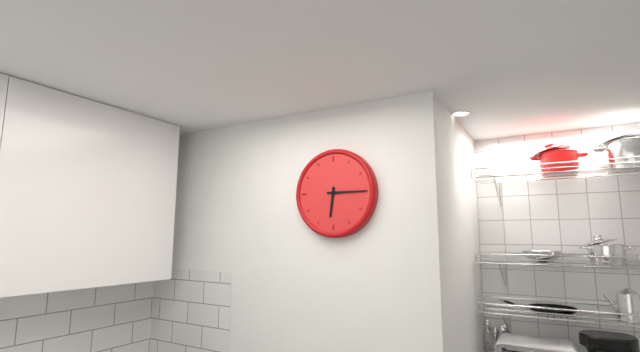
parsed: **6:15**
